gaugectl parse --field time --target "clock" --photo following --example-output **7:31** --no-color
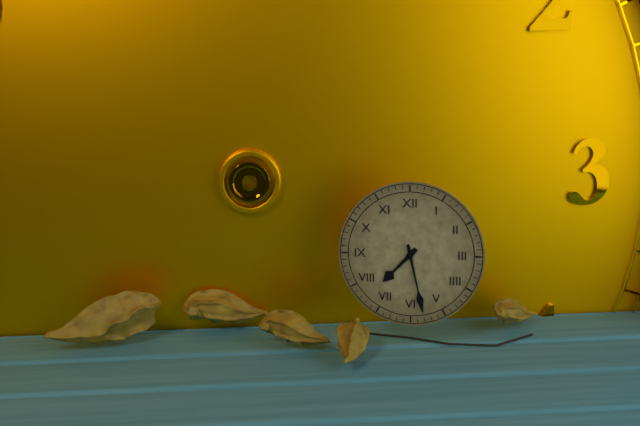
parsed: **7:28**
